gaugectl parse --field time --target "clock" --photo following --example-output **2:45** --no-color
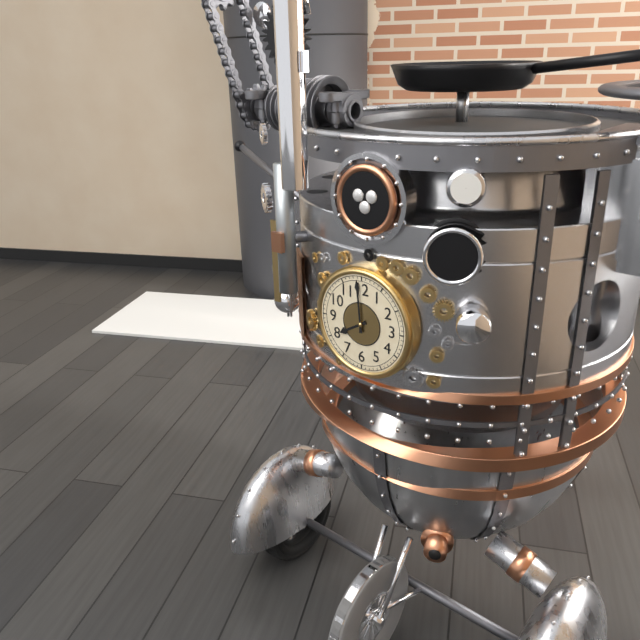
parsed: **7:59**
